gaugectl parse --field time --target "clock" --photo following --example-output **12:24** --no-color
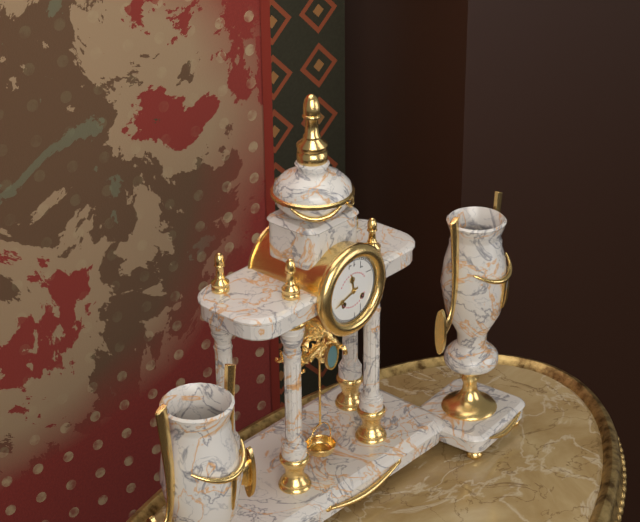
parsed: **11:42**
